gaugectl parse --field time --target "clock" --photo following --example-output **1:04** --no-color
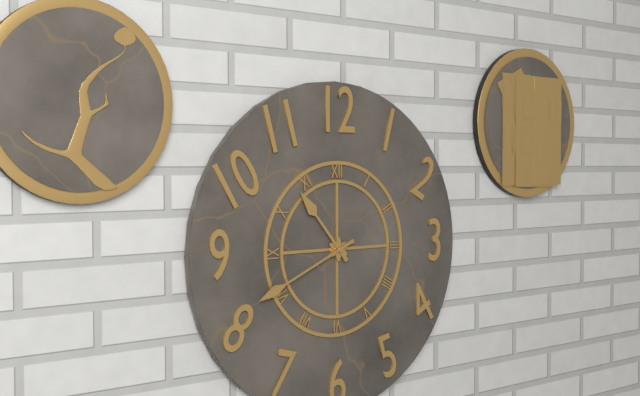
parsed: **10:41**
